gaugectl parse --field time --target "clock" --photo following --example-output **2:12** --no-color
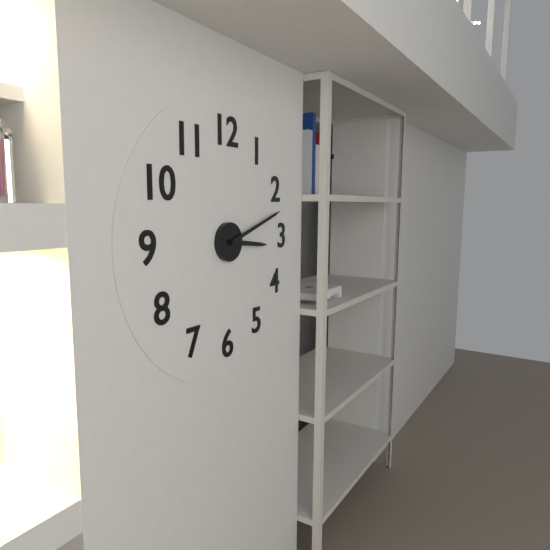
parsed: **3:12**
